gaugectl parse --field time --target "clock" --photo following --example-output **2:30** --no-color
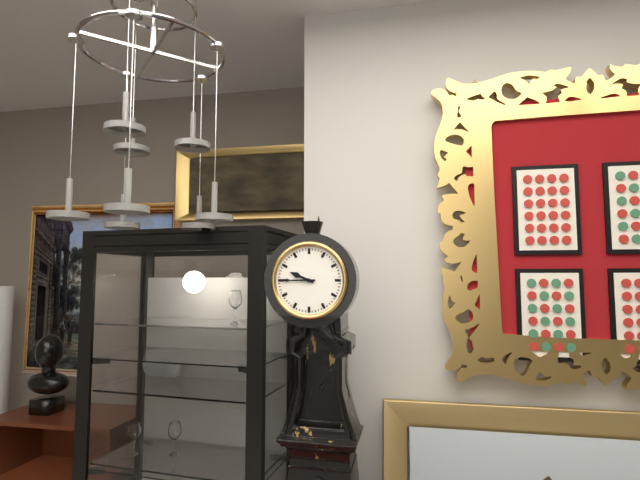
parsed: **9:45**
